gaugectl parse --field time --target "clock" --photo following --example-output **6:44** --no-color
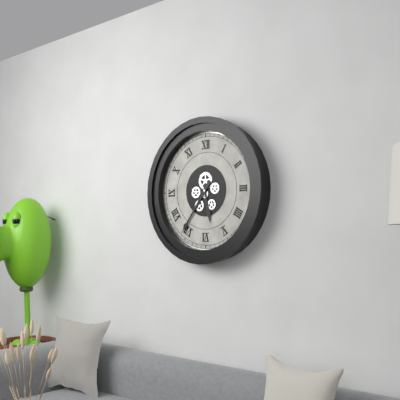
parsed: **5:36**
